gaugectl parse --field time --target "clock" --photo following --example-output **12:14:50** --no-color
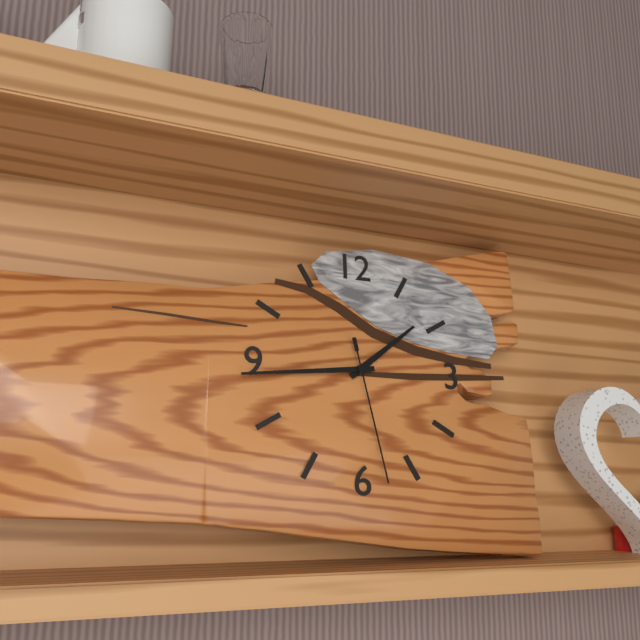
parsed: **1:44:28**
